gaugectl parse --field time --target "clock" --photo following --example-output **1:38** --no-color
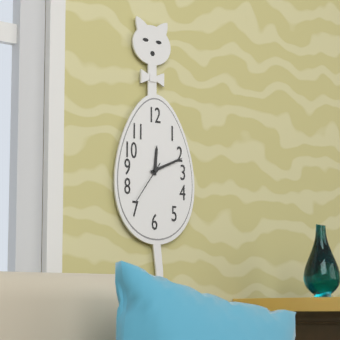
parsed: **12:11**
